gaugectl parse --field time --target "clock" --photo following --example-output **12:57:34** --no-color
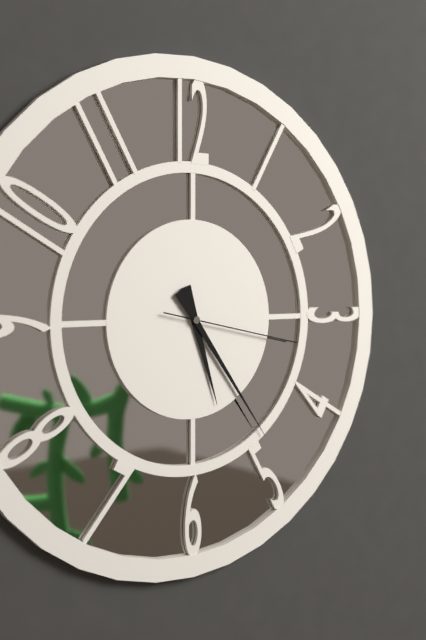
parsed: **5:24:17**
